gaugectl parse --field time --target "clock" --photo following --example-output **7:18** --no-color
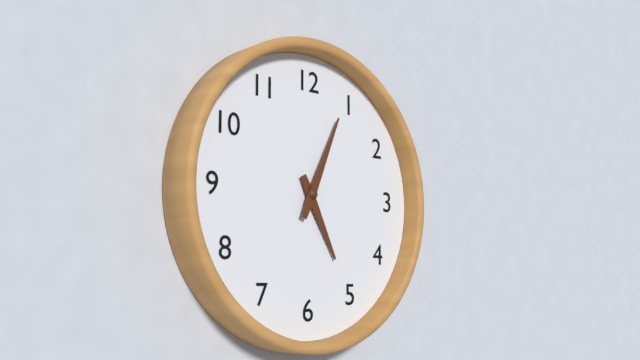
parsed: **5:04**
